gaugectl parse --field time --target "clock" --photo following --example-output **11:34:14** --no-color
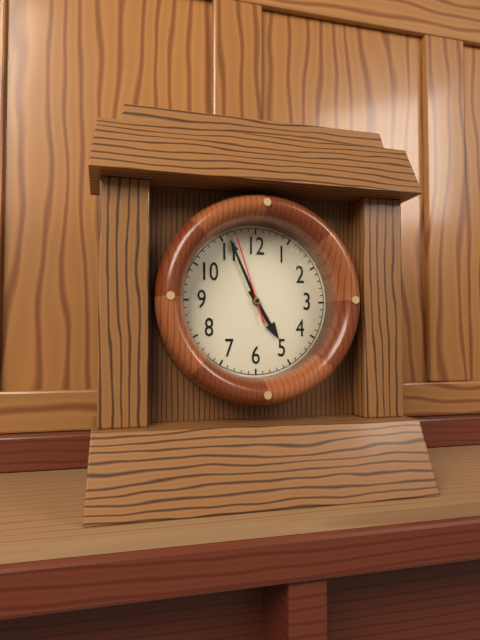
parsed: **4:56:57**
